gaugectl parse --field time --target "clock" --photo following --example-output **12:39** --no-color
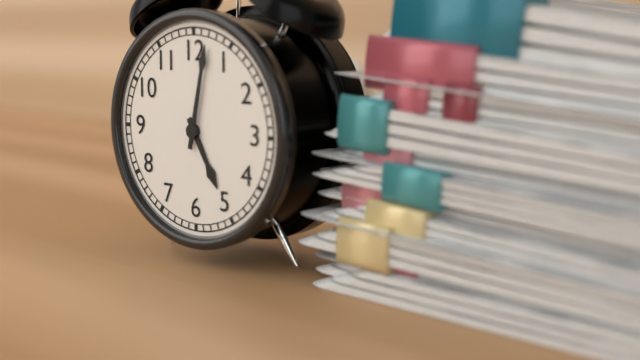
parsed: **5:02**
